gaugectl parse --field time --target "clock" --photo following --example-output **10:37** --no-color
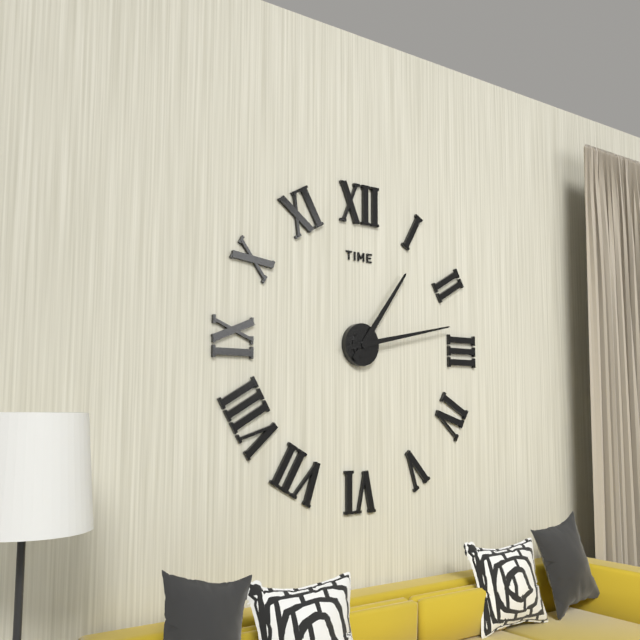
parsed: **1:13**
